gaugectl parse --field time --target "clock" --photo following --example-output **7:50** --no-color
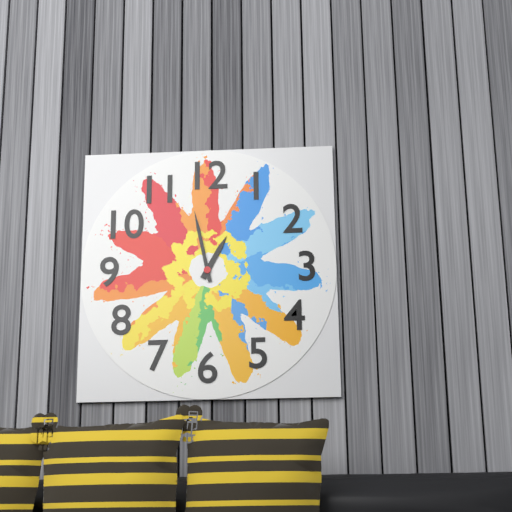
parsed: **12:58**
